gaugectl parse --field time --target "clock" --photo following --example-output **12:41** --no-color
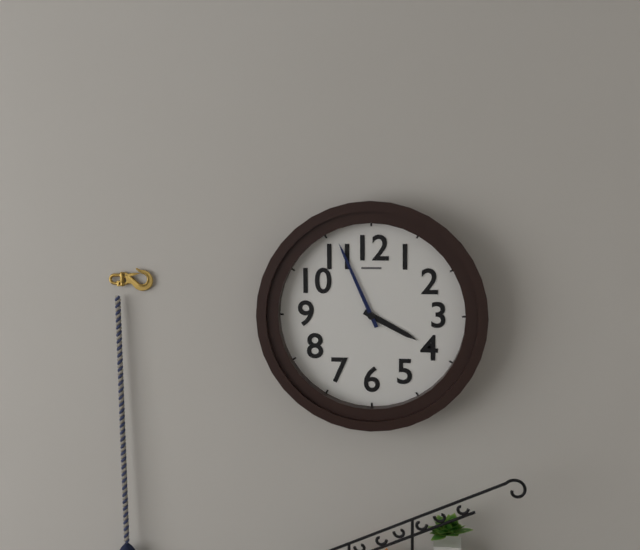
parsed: **3:56**
